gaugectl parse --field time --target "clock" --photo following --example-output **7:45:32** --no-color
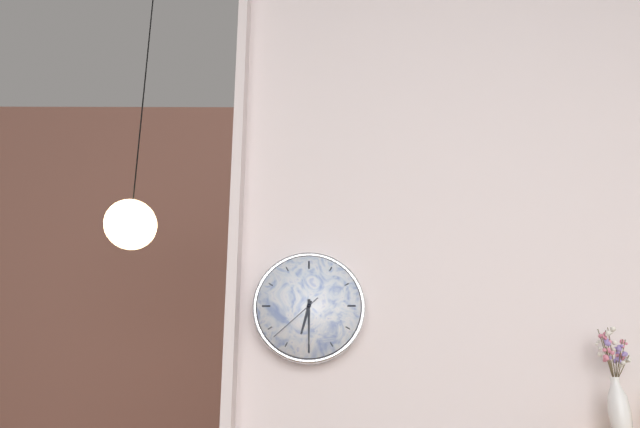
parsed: **6:30:38**
